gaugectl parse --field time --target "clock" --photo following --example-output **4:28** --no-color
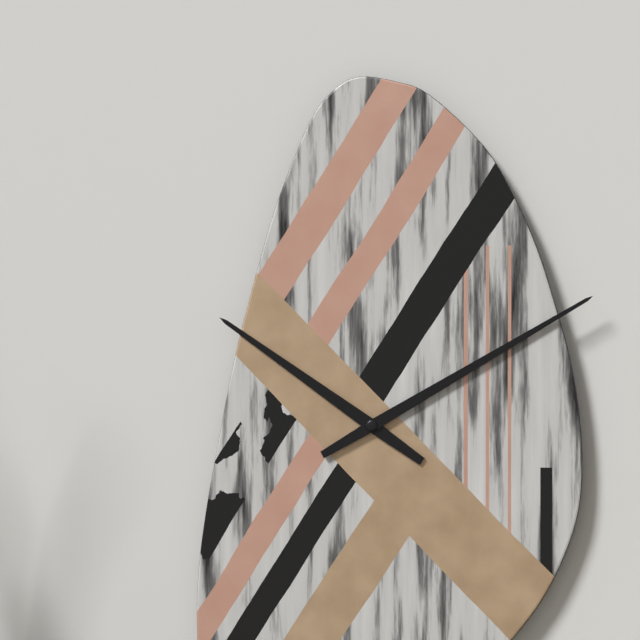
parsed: **10:10**
